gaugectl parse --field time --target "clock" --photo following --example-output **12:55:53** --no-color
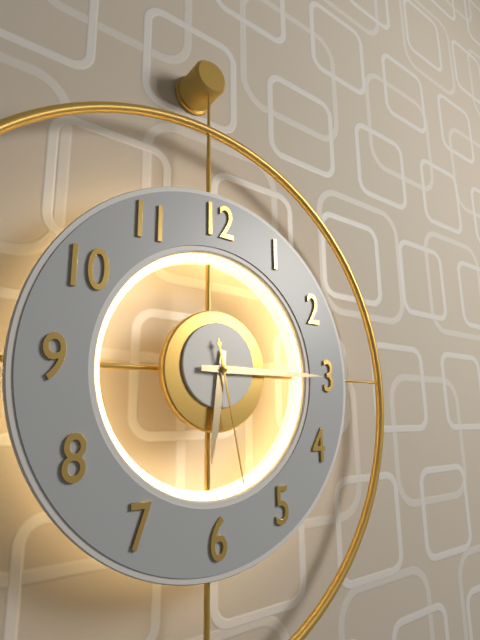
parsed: **6:15:28**
